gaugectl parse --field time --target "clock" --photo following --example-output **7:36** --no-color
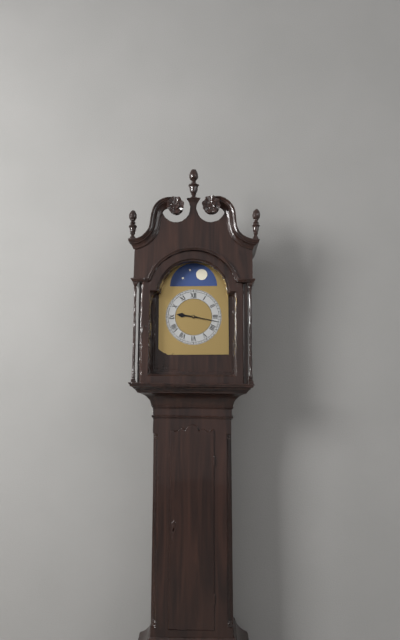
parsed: **9:17**
